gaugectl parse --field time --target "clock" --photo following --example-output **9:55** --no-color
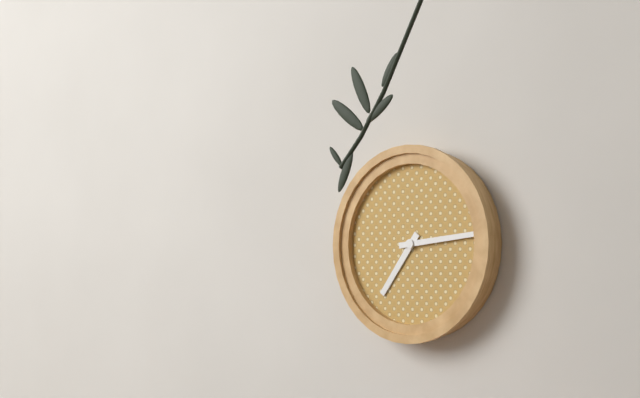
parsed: **7:14**
